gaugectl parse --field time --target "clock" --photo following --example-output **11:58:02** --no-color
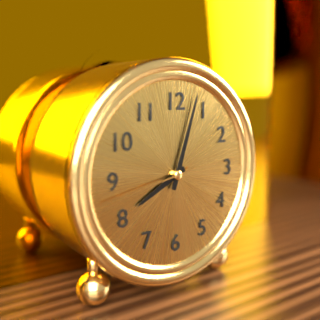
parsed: **8:03:43**
